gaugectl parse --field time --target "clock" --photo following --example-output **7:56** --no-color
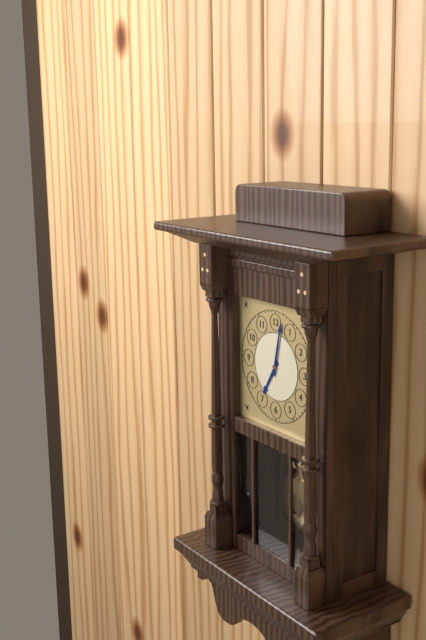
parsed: **7:02**
